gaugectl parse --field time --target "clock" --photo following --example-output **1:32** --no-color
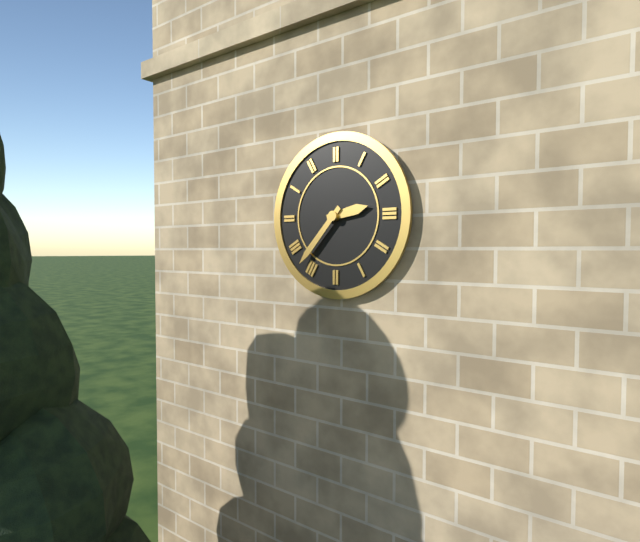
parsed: **2:37**
